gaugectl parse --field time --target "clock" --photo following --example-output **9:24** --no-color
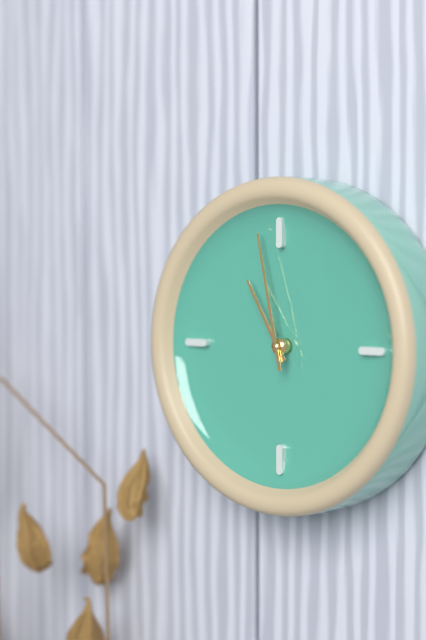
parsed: **10:58**
